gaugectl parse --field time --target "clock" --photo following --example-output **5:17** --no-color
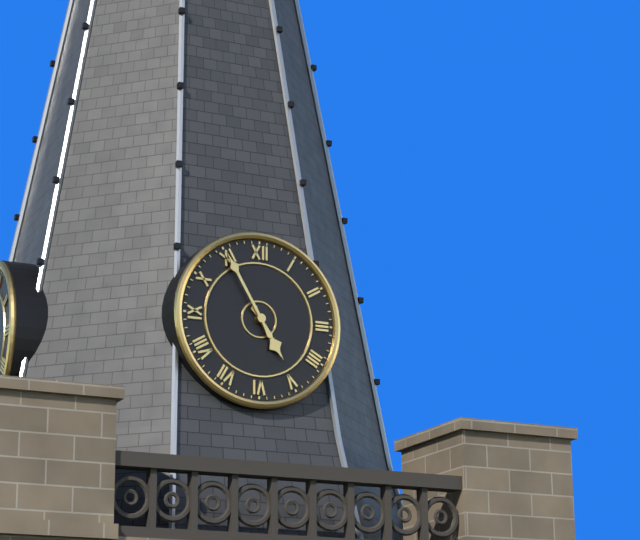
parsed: **4:55**
